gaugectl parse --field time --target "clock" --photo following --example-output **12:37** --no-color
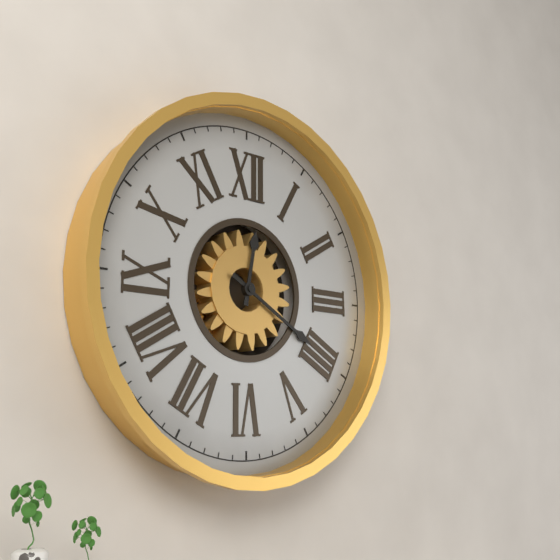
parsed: **12:20**
